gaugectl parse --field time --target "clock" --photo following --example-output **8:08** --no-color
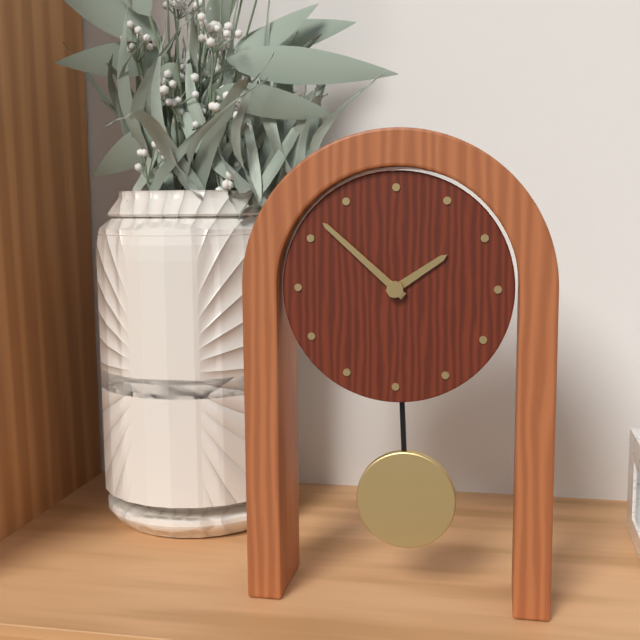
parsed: **1:52**
